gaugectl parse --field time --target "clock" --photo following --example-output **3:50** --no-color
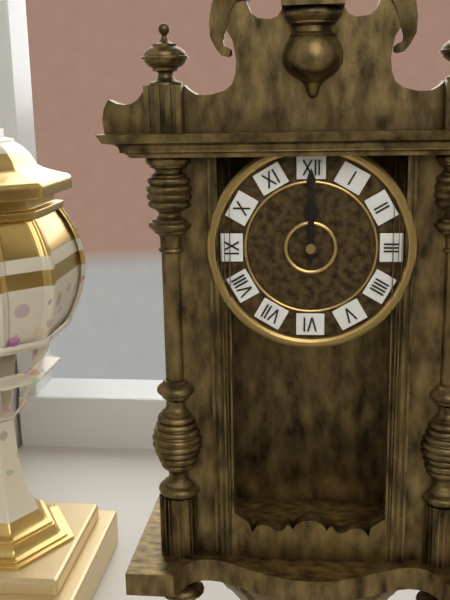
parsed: **12:00**
